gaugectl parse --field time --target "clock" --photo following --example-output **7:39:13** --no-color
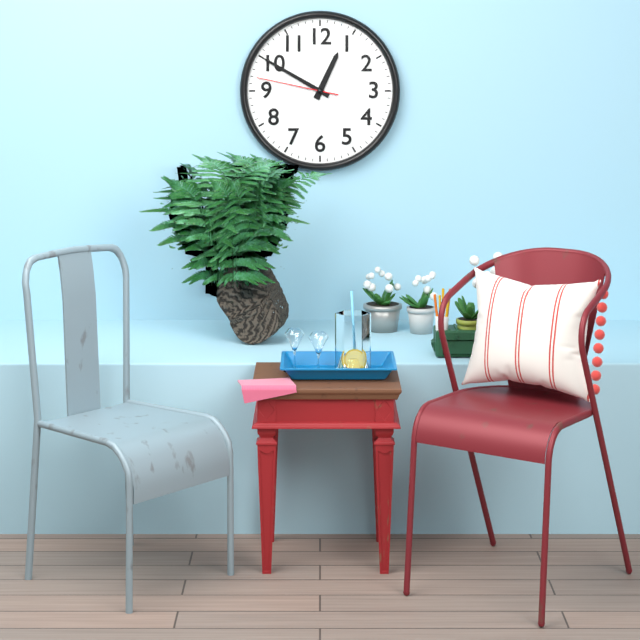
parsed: **12:50:47**
